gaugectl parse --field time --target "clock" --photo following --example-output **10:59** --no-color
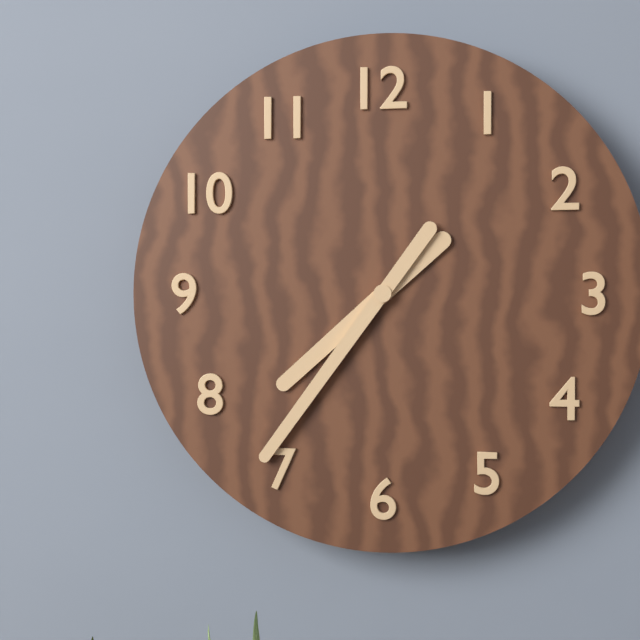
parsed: **7:36**
